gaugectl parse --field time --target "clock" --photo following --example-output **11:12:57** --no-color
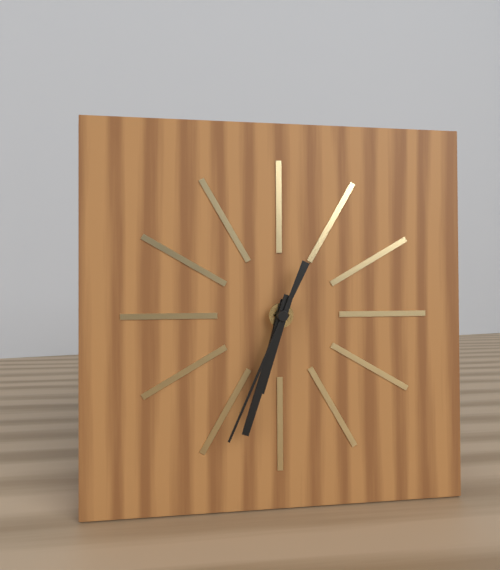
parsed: **6:33:34**
